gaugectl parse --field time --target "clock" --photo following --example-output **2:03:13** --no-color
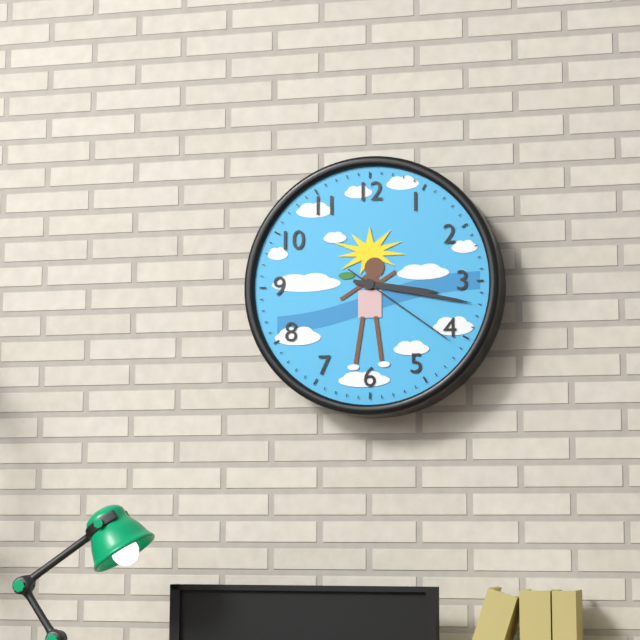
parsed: **3:17:21**
